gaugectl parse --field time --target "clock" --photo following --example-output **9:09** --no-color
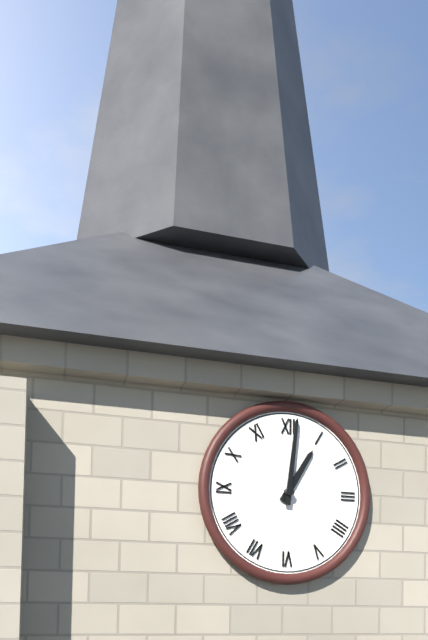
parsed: **1:01**
